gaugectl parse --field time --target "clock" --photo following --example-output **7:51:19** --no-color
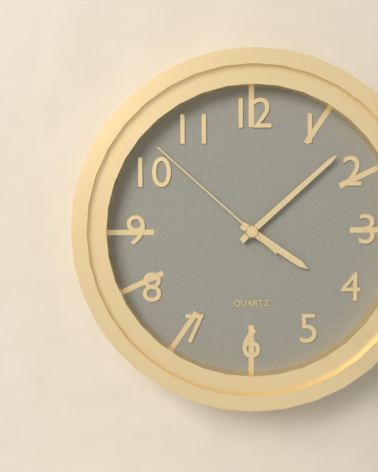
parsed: **4:08:52**
